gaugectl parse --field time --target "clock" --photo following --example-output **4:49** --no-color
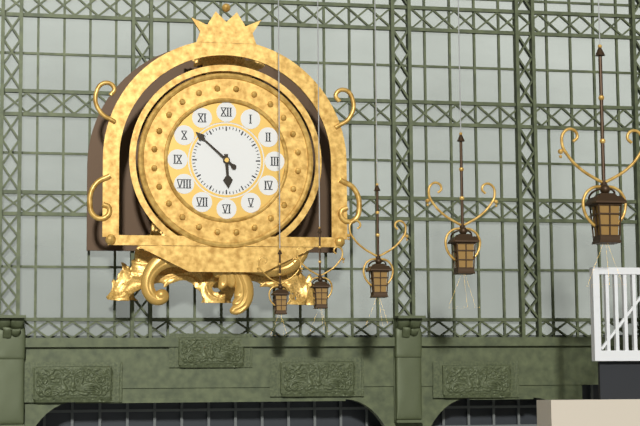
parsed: **5:52**
